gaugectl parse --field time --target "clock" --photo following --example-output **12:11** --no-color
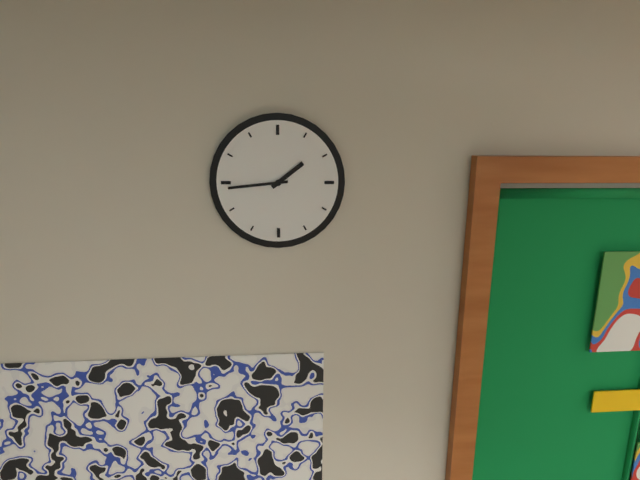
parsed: **1:44**
